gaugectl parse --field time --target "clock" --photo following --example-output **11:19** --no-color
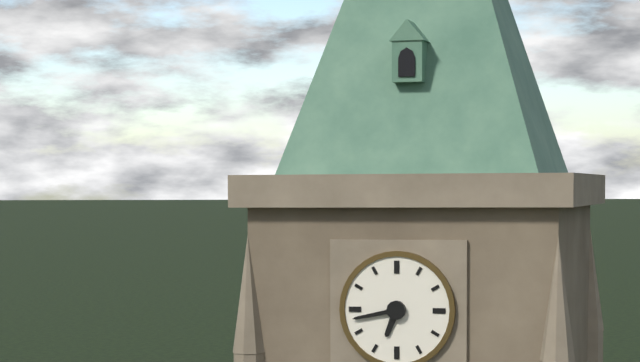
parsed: **6:43**
